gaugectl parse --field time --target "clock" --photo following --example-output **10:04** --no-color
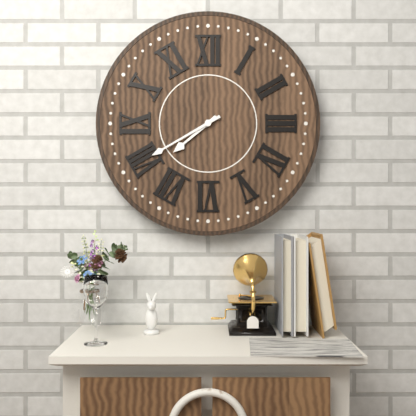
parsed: **7:40**
